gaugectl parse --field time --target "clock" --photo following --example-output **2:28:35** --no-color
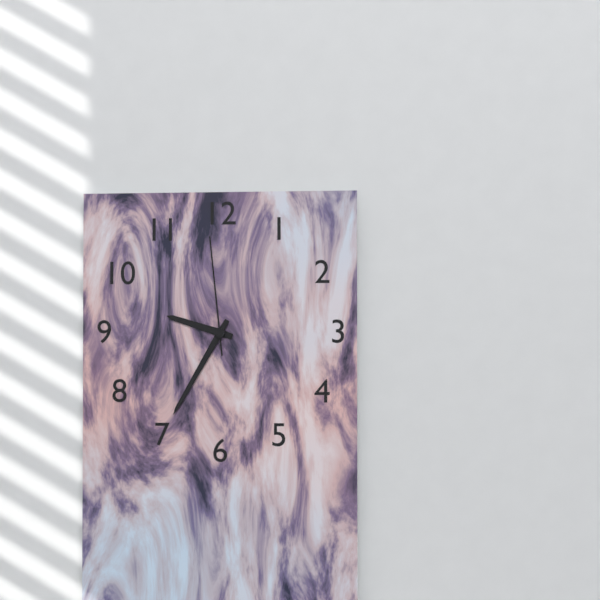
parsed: **9:35:59**
